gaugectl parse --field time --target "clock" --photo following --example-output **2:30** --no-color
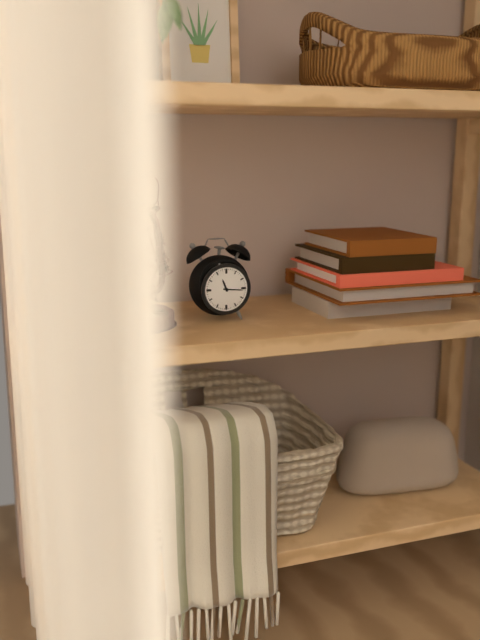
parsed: **11:16**
